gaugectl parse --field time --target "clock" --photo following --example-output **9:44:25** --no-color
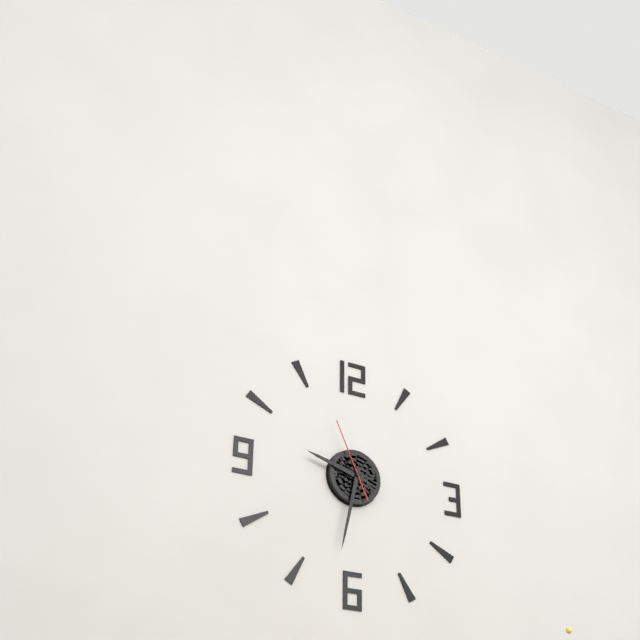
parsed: **9:32:56**
